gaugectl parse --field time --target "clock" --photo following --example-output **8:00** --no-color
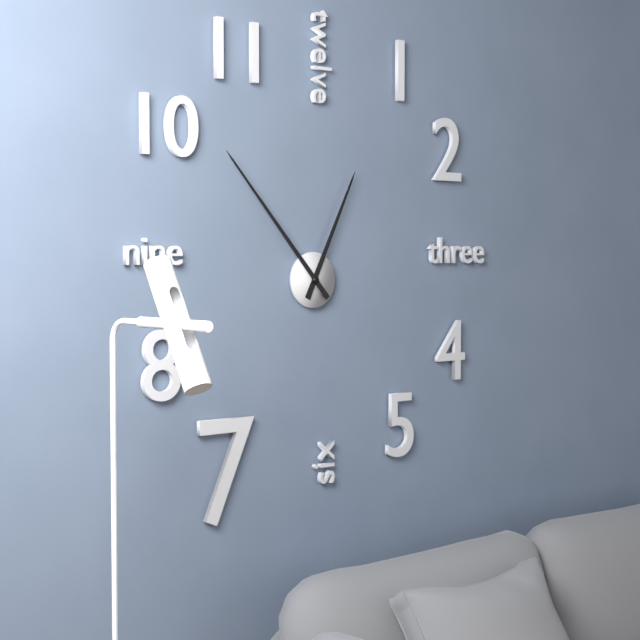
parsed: **12:53**
